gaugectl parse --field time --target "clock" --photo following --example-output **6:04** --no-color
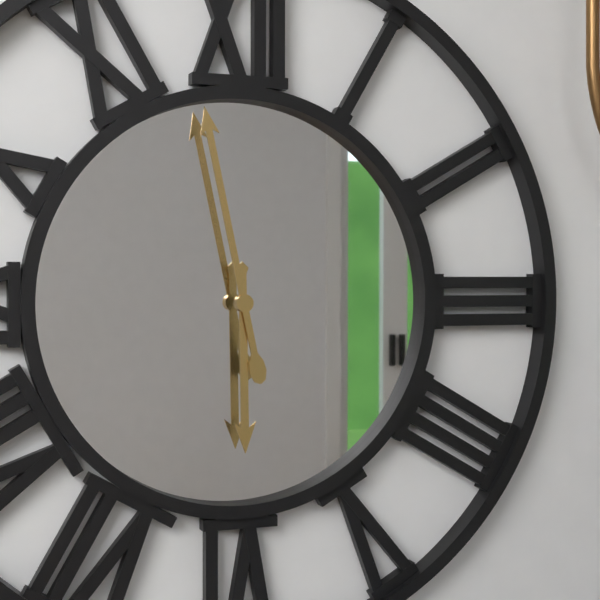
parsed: **5:58**
